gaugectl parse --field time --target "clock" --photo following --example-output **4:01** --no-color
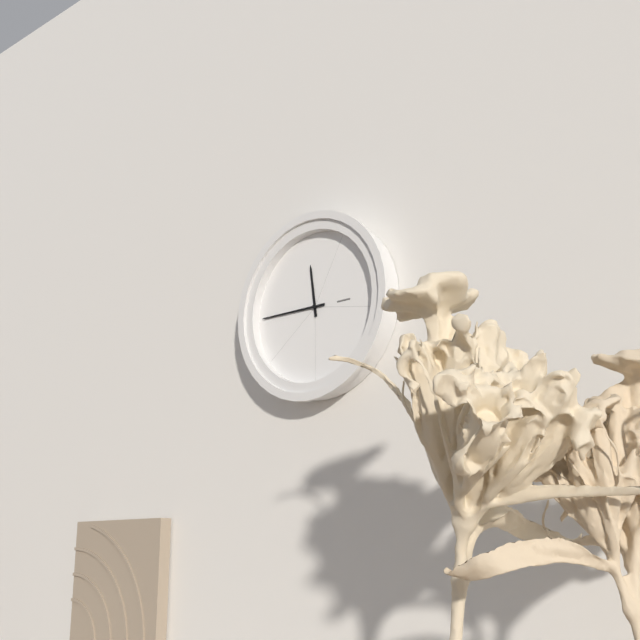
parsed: **11:45**
